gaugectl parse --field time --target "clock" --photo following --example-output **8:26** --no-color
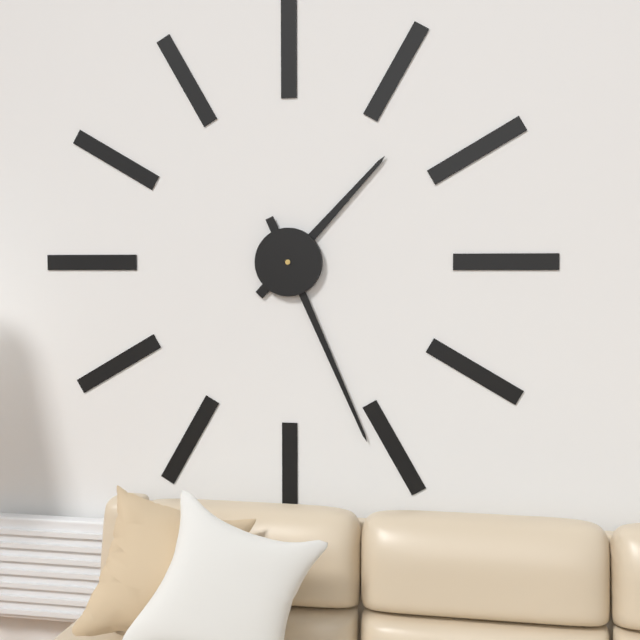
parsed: **1:26**
